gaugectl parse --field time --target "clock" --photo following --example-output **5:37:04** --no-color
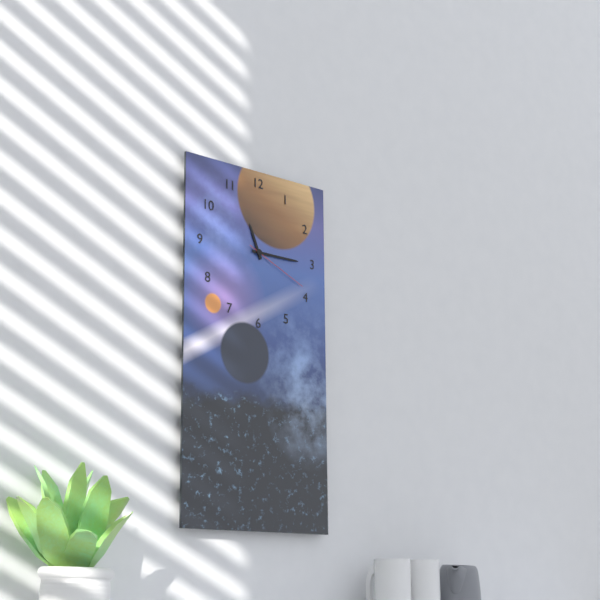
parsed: **11:15:19**
